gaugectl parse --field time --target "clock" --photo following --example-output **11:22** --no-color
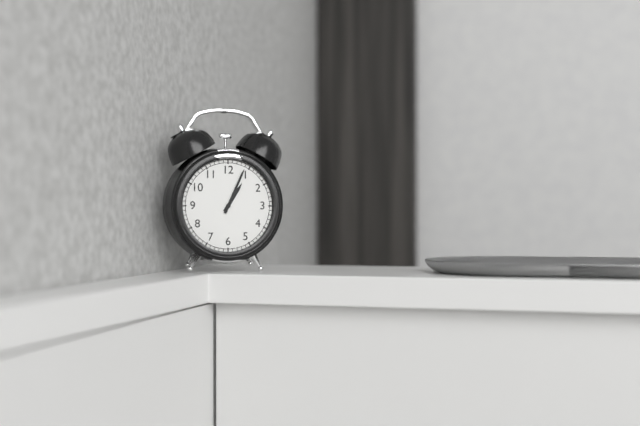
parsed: **1:04**
